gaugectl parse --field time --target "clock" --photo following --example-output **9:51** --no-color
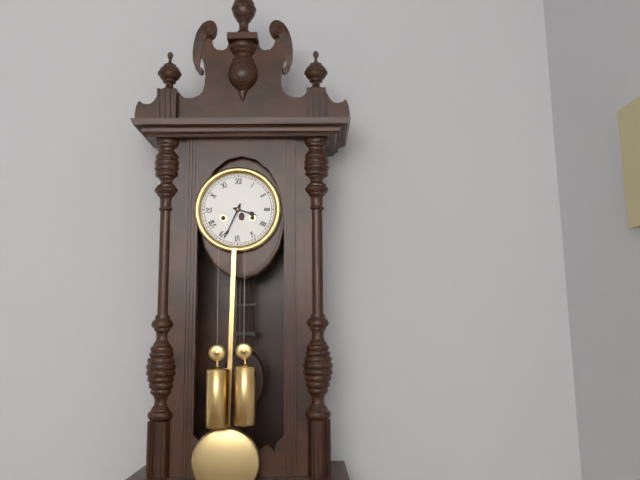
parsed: **3:34**
